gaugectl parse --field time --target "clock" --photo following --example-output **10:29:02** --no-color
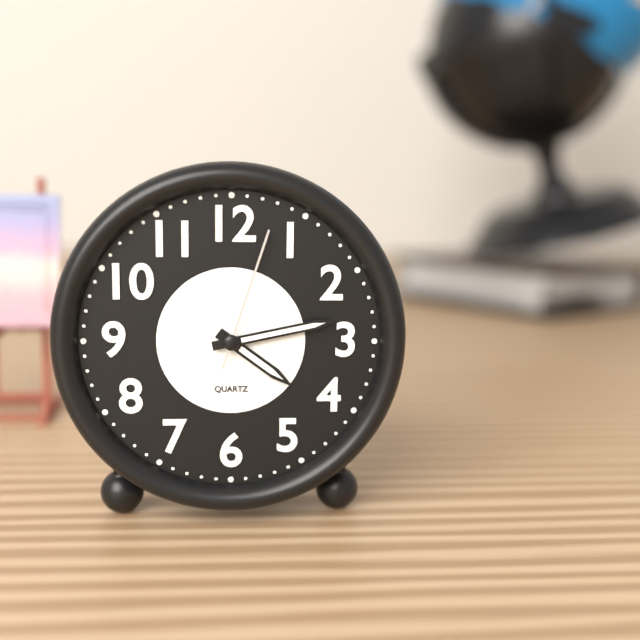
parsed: **4:13:03**
